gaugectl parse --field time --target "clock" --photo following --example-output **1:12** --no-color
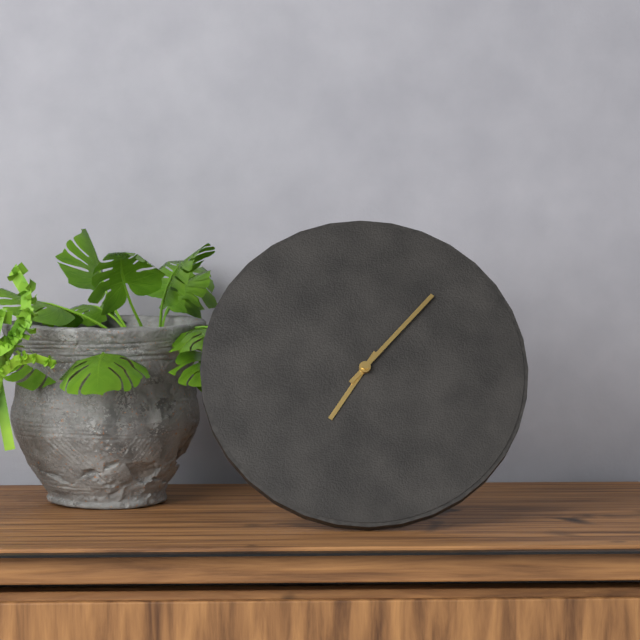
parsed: **7:07**
